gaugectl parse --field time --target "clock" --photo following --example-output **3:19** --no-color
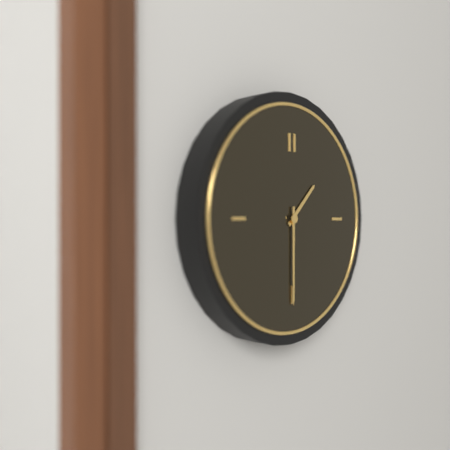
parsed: **1:30**
